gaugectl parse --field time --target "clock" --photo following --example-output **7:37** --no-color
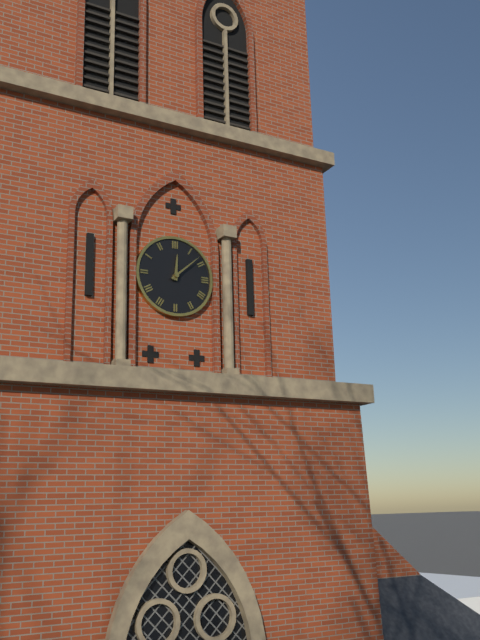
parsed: **12:08**
